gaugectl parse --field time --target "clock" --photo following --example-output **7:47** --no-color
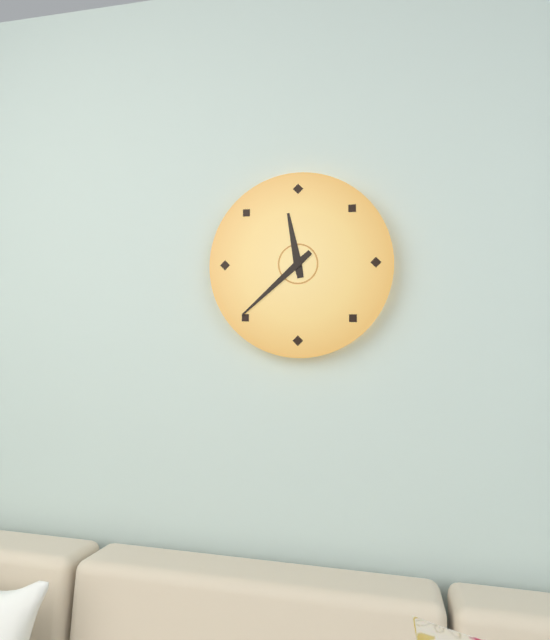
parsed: **11:38**
